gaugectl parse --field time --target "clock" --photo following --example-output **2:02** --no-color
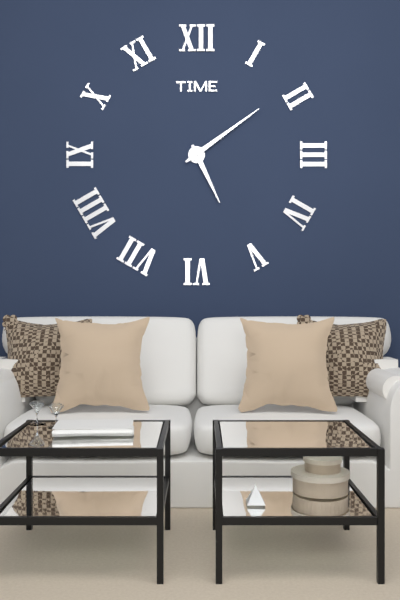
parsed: **5:09**
